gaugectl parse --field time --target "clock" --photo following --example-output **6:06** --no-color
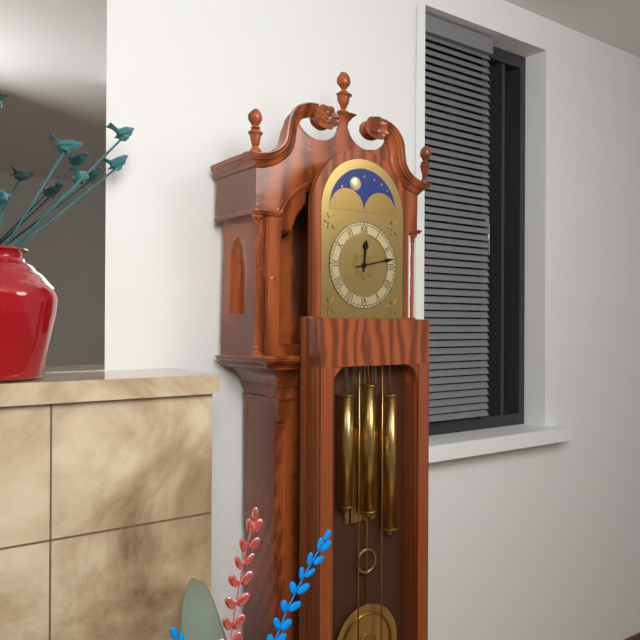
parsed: **12:13**
